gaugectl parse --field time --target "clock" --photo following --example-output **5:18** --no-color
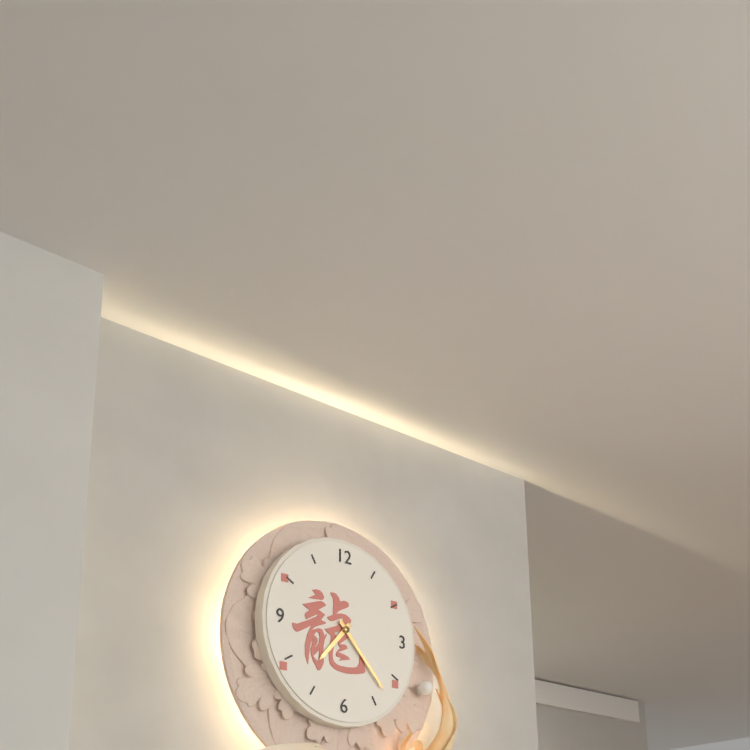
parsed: **7:23**
